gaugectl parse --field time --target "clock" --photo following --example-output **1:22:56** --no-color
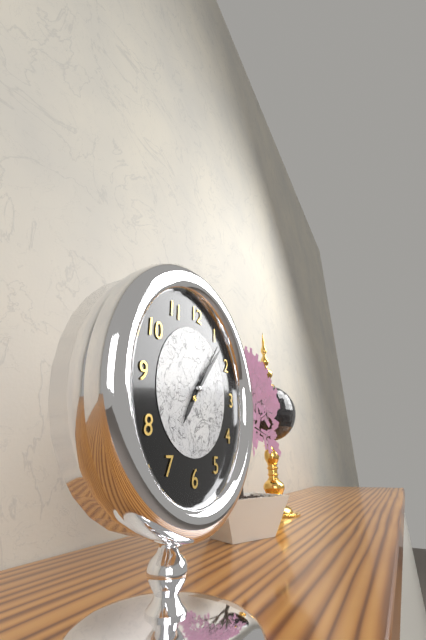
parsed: **7:07:06**
